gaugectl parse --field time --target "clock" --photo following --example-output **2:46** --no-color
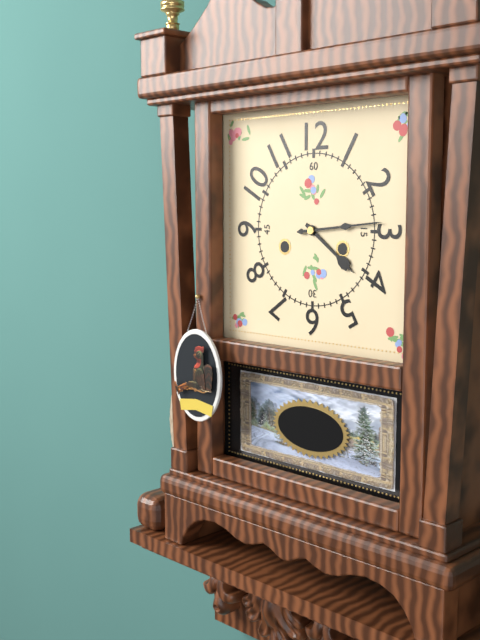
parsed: **4:14**
